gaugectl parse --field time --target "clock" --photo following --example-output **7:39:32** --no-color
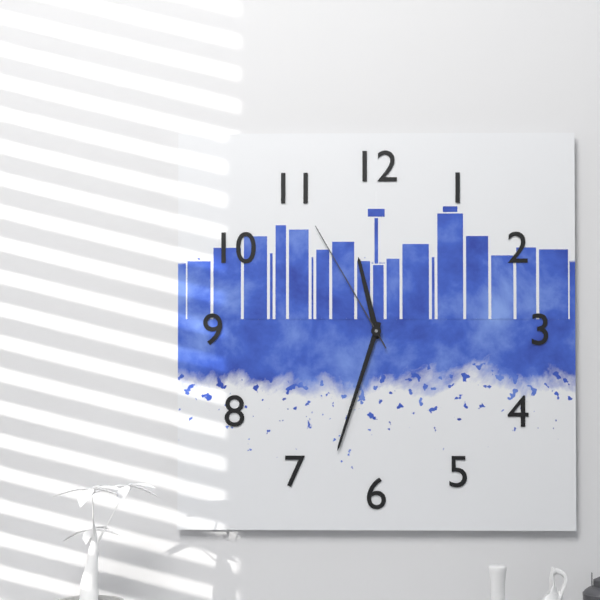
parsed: **11:33:55**
